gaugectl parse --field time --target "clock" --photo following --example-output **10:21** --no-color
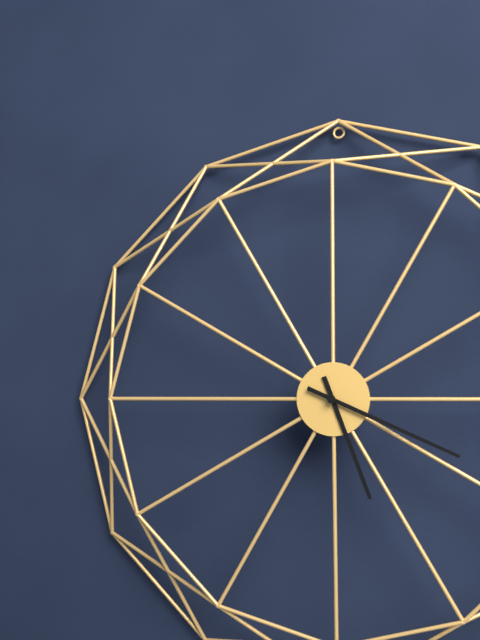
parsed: **5:19**
